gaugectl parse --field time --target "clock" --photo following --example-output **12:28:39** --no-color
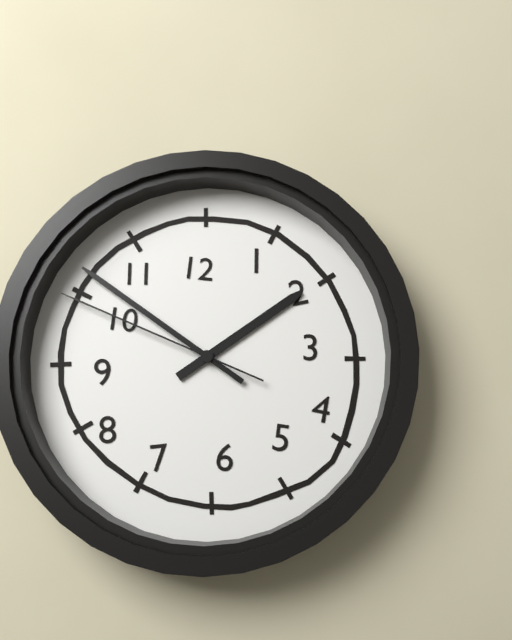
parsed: **1:51:49**
